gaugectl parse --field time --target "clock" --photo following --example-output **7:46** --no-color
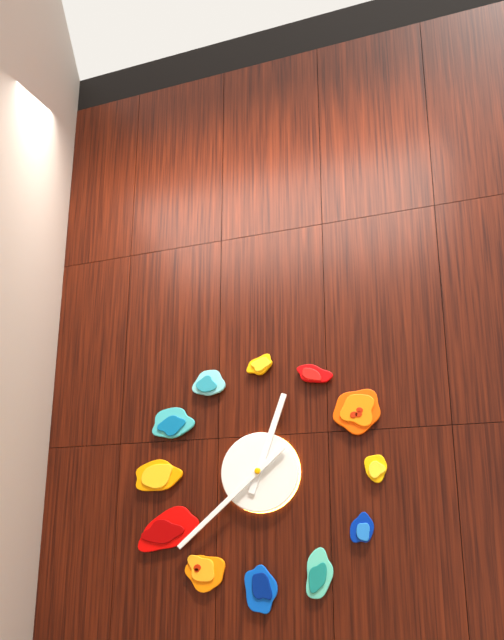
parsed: **12:38**
